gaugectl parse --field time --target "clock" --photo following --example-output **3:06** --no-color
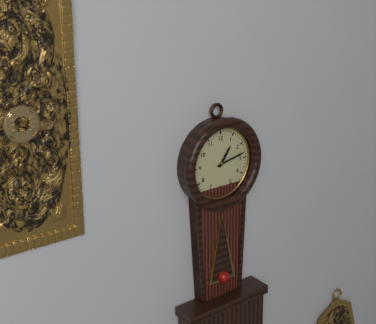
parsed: **1:13**
